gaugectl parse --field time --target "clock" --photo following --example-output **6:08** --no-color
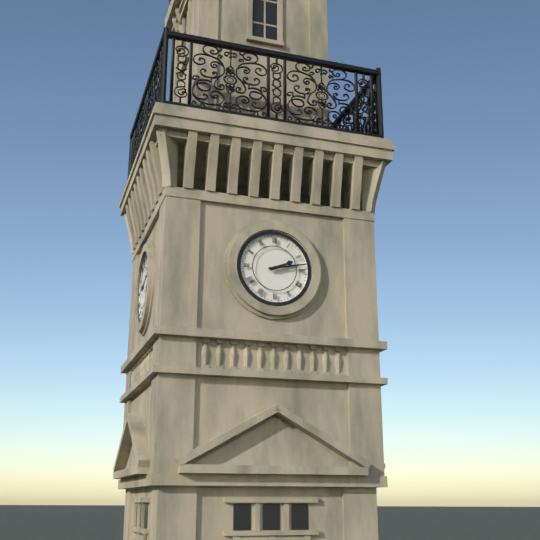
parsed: **2:13**
